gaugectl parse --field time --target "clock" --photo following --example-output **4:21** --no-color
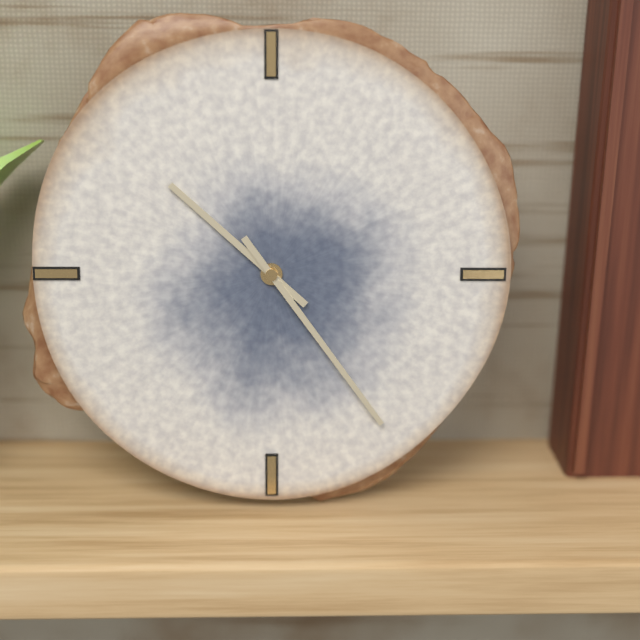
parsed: **10:24**
